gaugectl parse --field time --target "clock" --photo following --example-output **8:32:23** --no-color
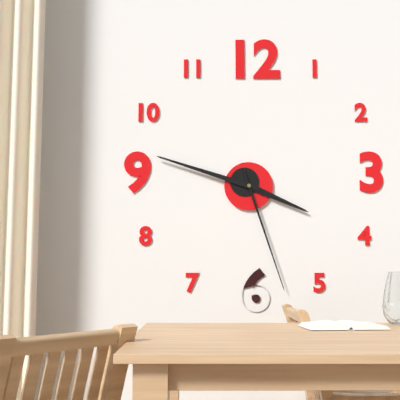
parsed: **3:48:27**
